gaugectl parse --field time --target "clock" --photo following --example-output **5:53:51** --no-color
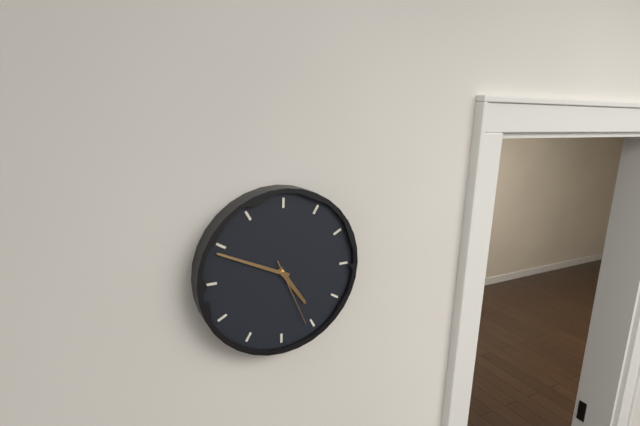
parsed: **4:49:26**
